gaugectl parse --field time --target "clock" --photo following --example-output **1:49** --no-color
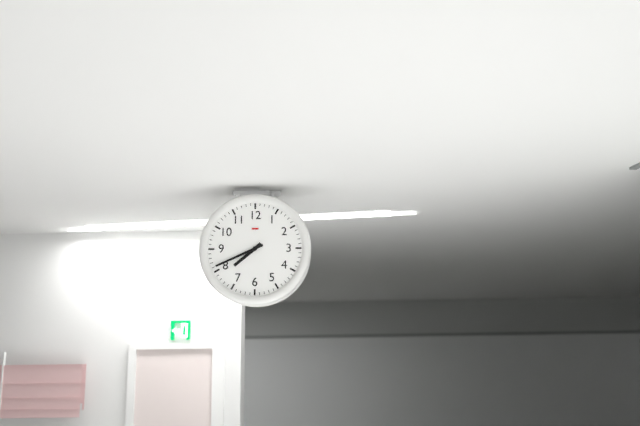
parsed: **7:41**
